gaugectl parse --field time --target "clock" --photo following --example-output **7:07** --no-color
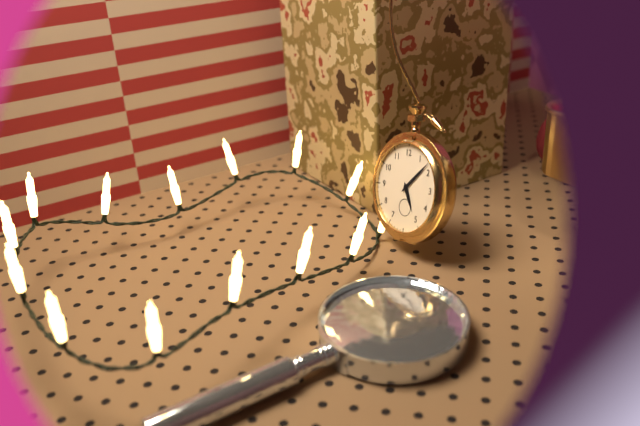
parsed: **5:08**
